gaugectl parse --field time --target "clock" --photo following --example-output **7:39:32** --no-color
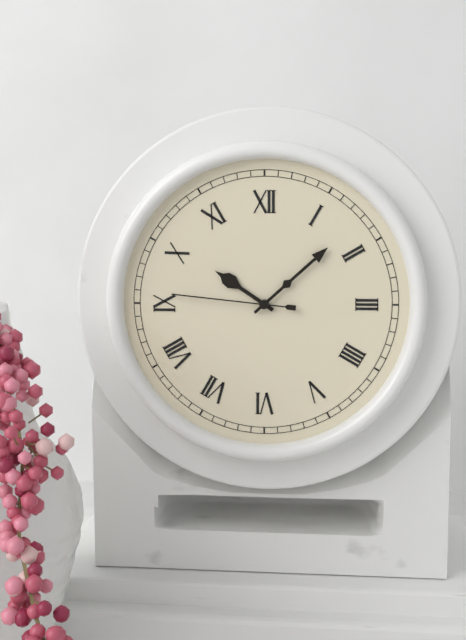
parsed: **10:08:46**
